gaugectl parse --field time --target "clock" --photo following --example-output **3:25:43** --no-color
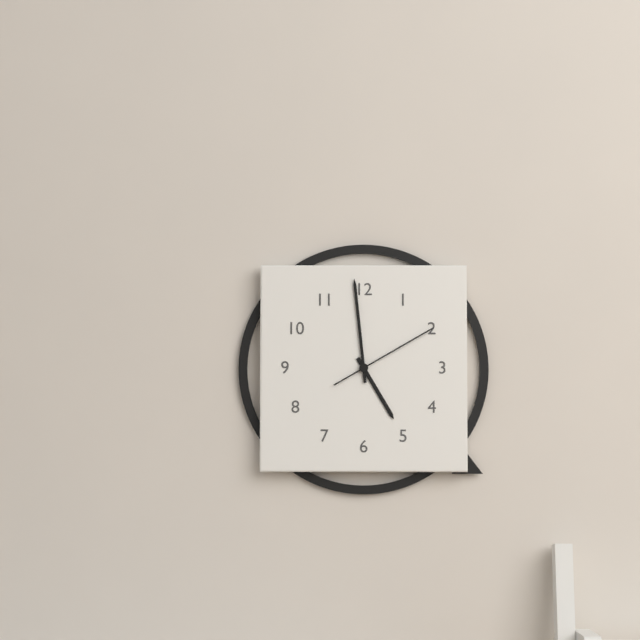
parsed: **4:59:10**
